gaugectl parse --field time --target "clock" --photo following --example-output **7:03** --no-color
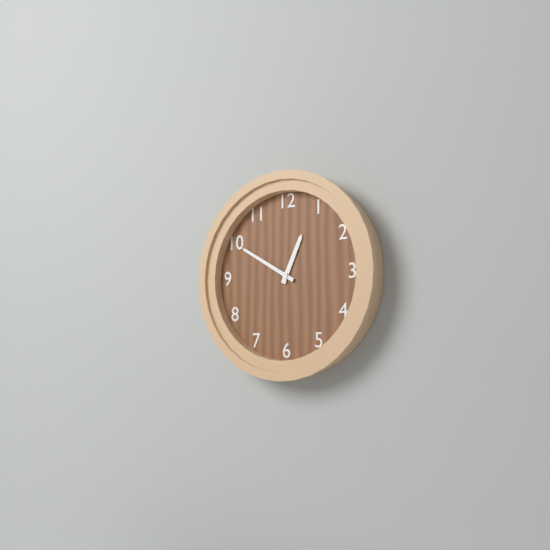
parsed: **12:50**
